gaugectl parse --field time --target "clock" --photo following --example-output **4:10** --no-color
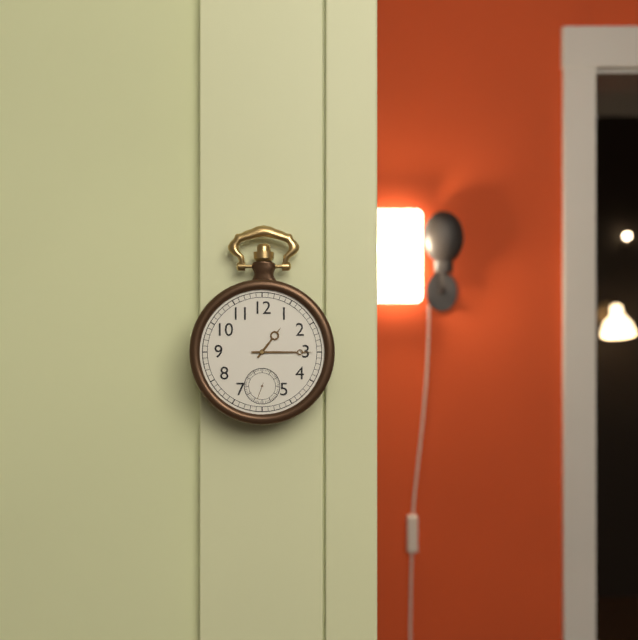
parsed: **1:15**
